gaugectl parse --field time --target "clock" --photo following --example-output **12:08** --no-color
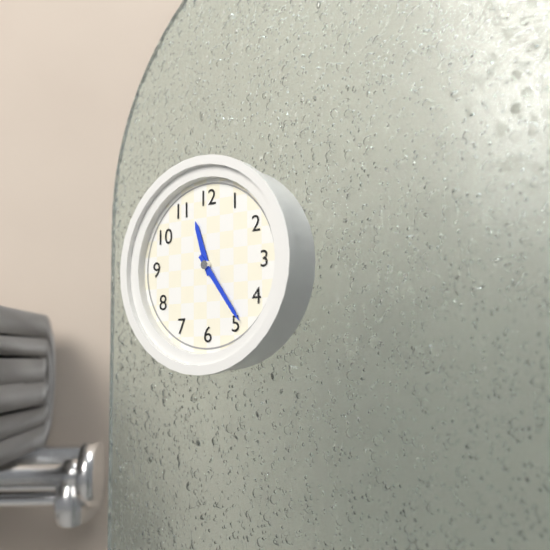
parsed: **11:24**
